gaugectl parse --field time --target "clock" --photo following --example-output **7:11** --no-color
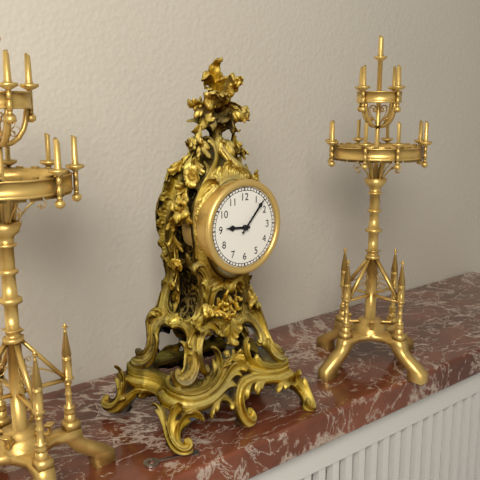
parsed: **9:07**
